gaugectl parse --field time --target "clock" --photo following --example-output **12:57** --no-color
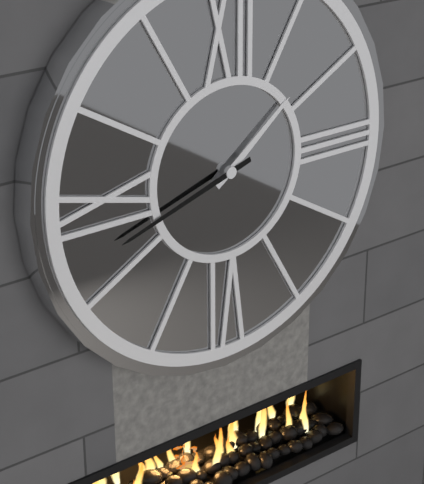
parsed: **1:42**
